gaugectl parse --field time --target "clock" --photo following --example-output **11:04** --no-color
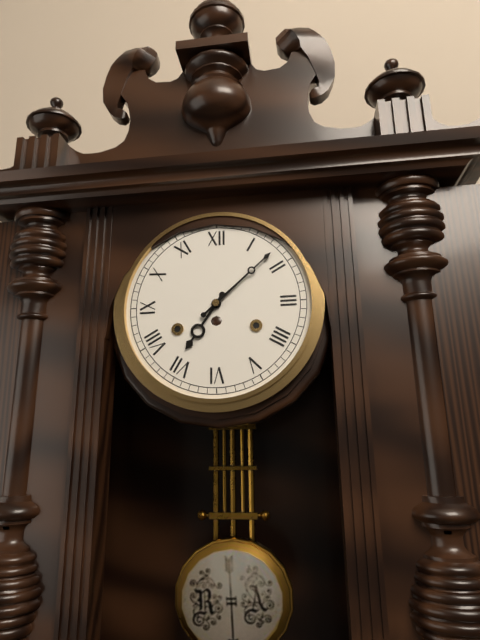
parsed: **7:08**
